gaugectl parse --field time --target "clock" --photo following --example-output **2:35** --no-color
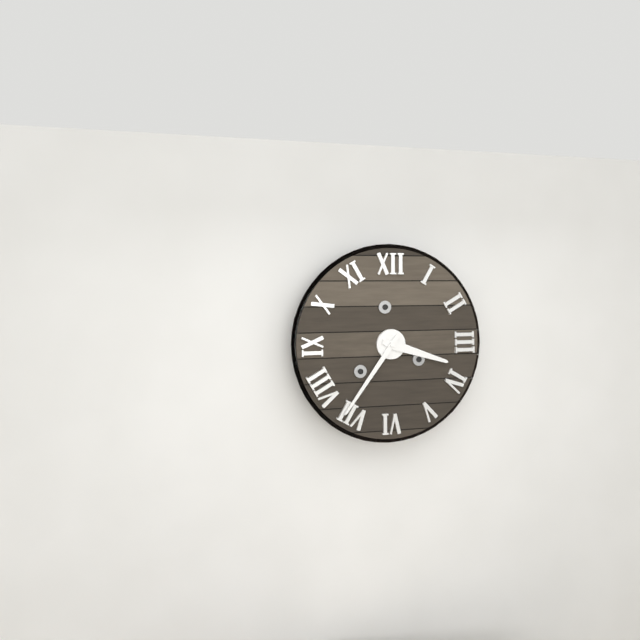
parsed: **3:36**
